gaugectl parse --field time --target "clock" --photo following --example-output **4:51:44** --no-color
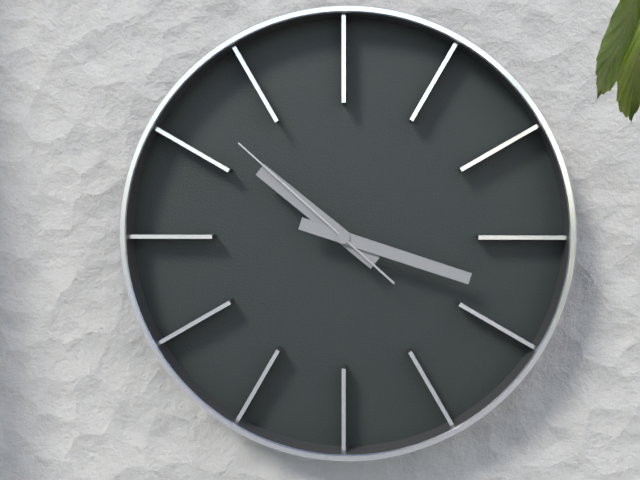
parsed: **10:18:52**
